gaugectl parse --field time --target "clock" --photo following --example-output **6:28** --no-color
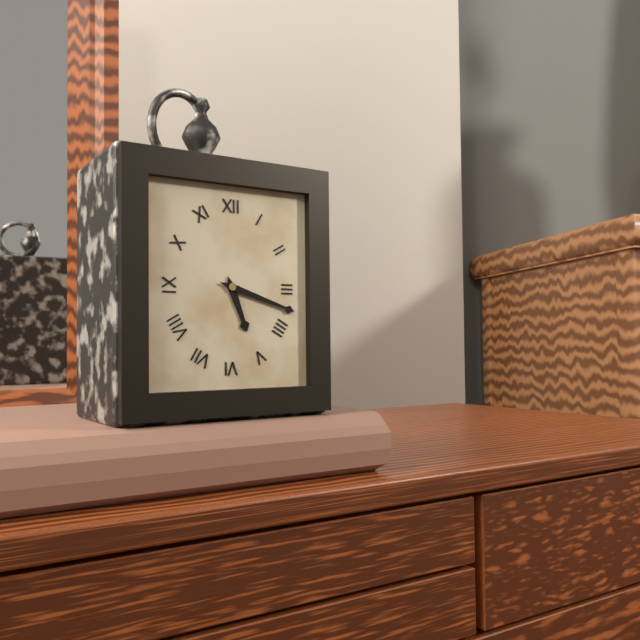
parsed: **5:18**
